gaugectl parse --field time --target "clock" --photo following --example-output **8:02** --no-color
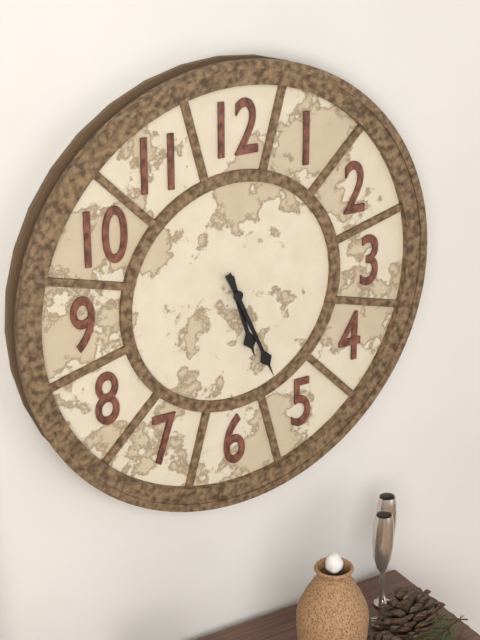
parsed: **5:26**
